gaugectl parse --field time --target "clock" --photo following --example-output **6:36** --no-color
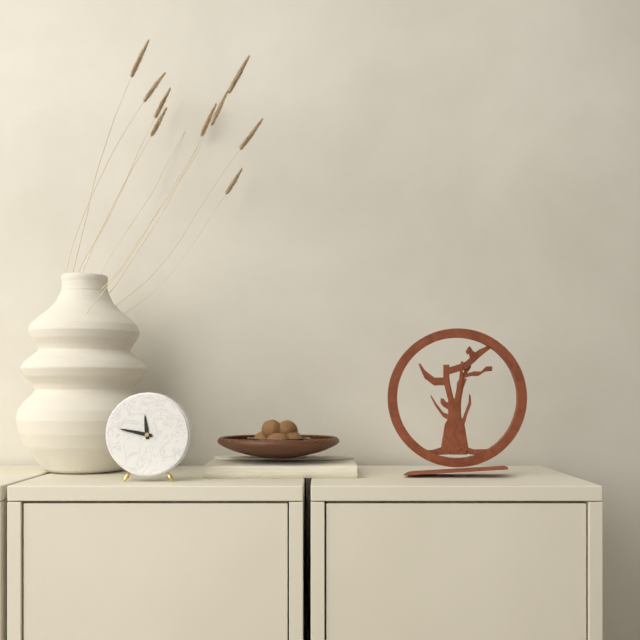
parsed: **11:47**
